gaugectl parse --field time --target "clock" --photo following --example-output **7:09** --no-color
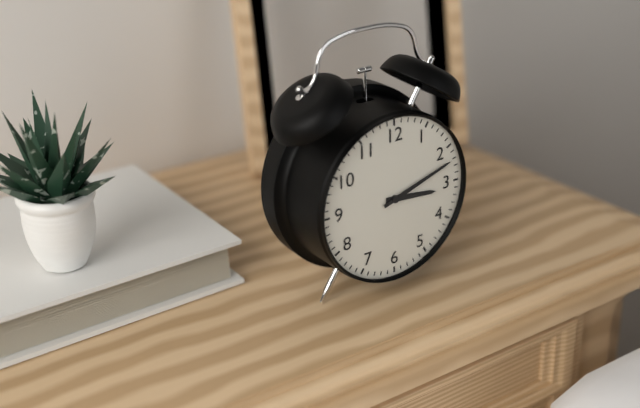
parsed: **3:12**
